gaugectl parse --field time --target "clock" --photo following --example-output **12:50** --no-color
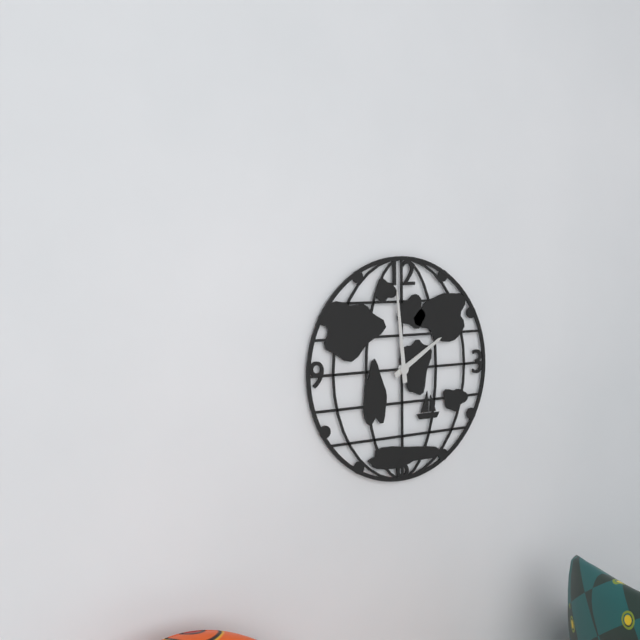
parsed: **1:59**
